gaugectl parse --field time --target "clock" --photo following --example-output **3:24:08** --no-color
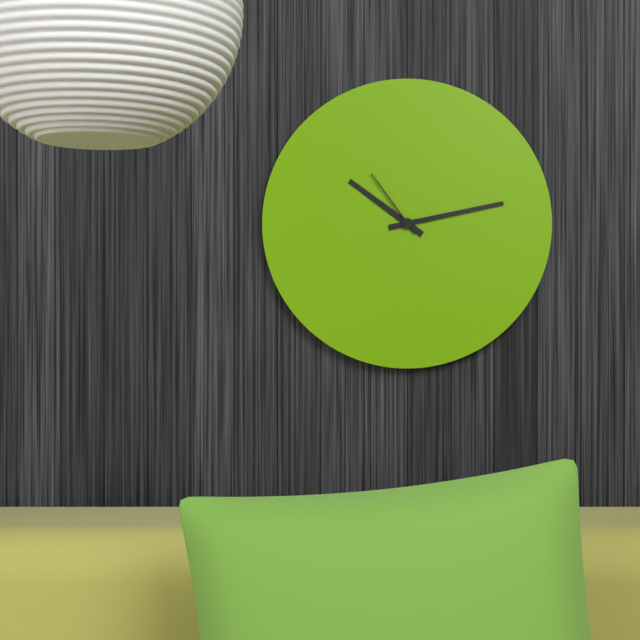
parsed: **10:13:54**
